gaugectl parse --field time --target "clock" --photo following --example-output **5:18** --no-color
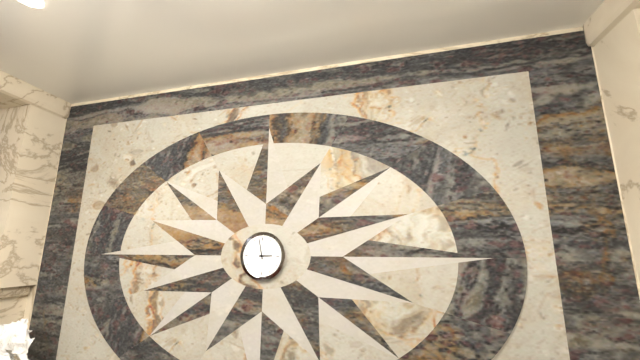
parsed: **2:58**
